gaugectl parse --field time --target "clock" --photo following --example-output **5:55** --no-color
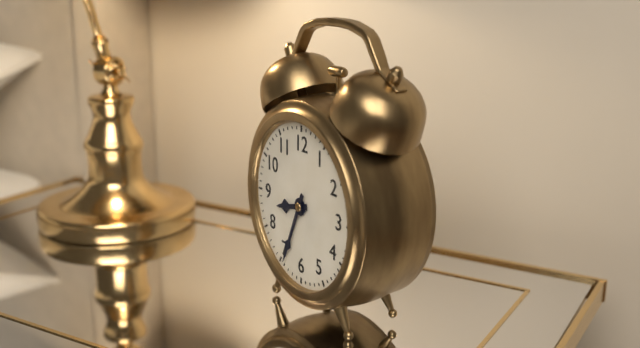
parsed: **8:34**
